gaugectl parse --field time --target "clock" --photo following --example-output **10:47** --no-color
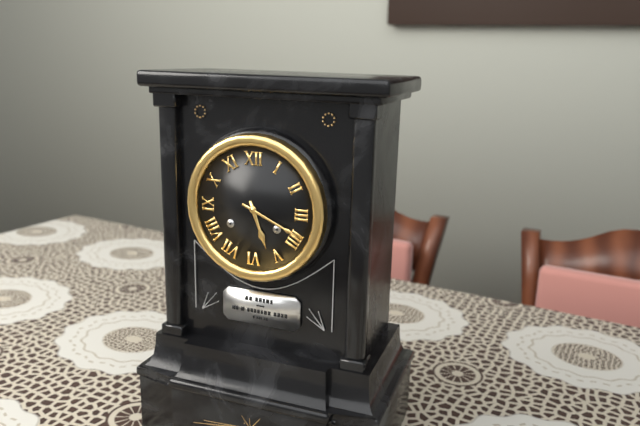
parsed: **5:19**
